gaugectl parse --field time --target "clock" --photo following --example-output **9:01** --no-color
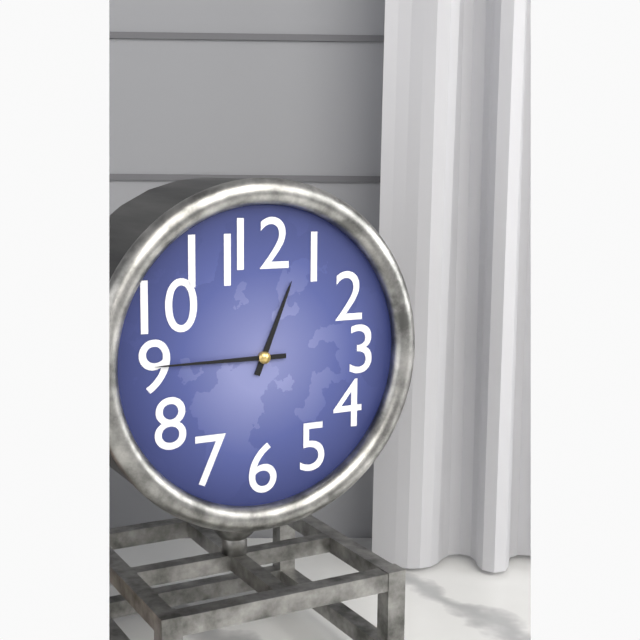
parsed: **12:45**
